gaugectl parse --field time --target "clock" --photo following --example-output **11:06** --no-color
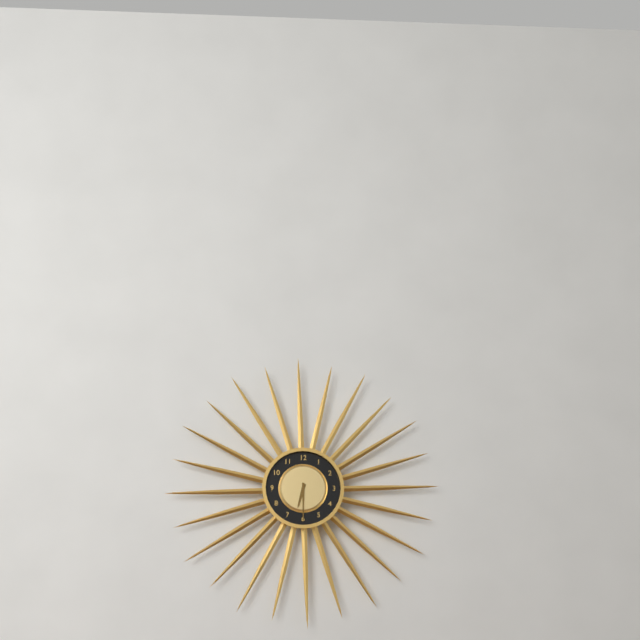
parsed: **6:30**
